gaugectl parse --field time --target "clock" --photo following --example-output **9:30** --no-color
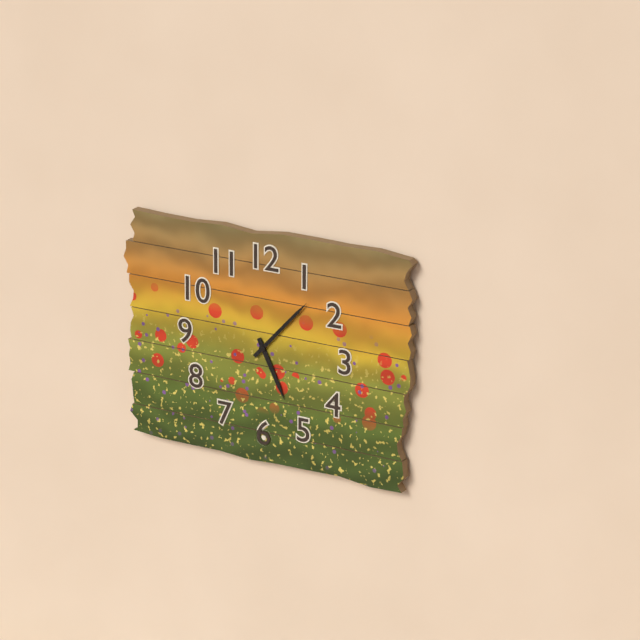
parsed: **5:07**
